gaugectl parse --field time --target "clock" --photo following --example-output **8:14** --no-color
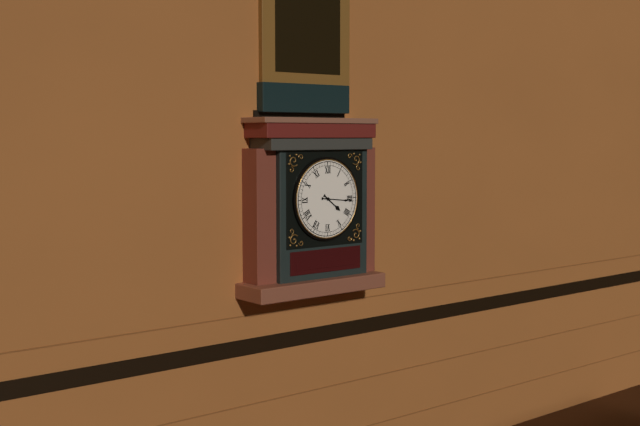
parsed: **4:16**
